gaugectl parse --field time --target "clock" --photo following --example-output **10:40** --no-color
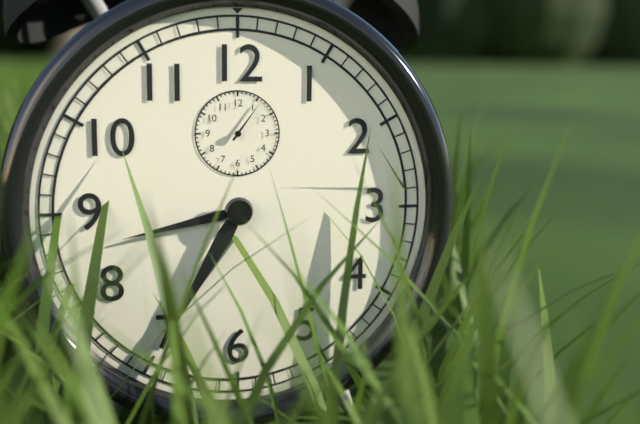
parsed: **8:35**
